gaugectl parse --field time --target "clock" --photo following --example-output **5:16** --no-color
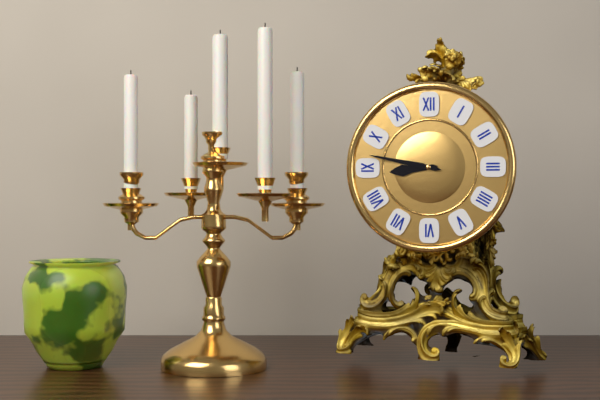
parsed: **8:47**
